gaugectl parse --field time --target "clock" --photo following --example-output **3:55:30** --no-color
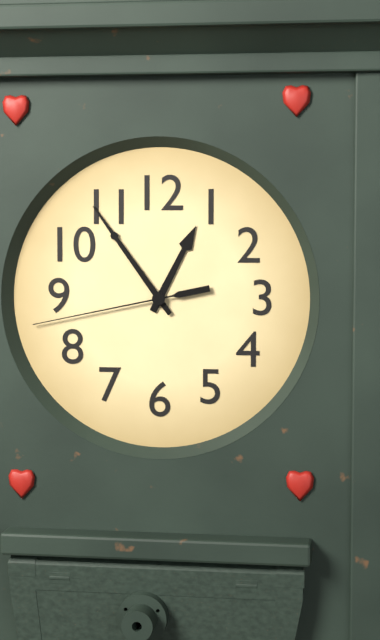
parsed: **12:54:43**
